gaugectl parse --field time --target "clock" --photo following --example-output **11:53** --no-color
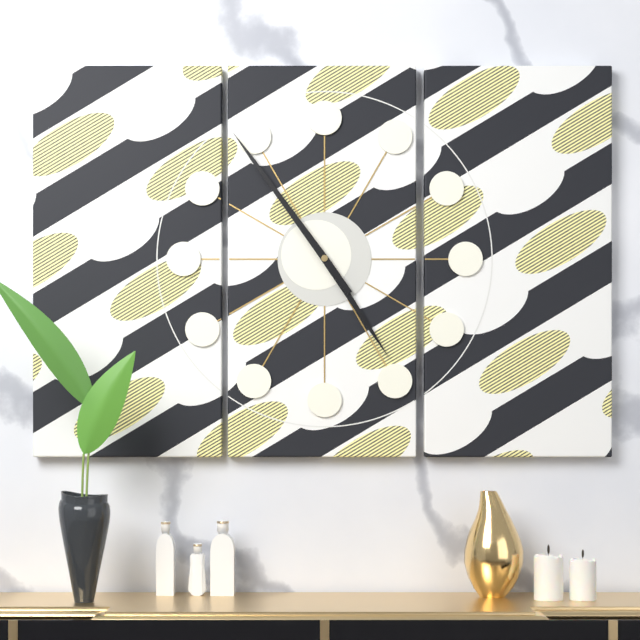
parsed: **4:54**
